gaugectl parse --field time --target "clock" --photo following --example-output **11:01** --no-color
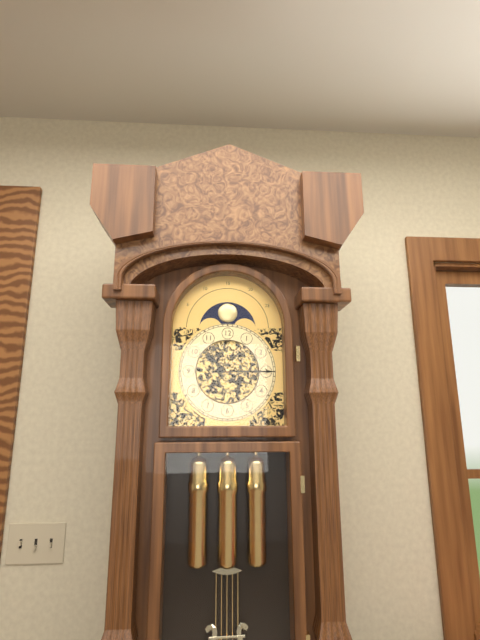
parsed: **10:15**
